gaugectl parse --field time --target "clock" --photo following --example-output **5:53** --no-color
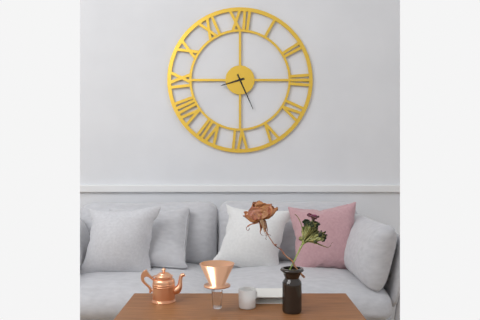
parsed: **8:26**
